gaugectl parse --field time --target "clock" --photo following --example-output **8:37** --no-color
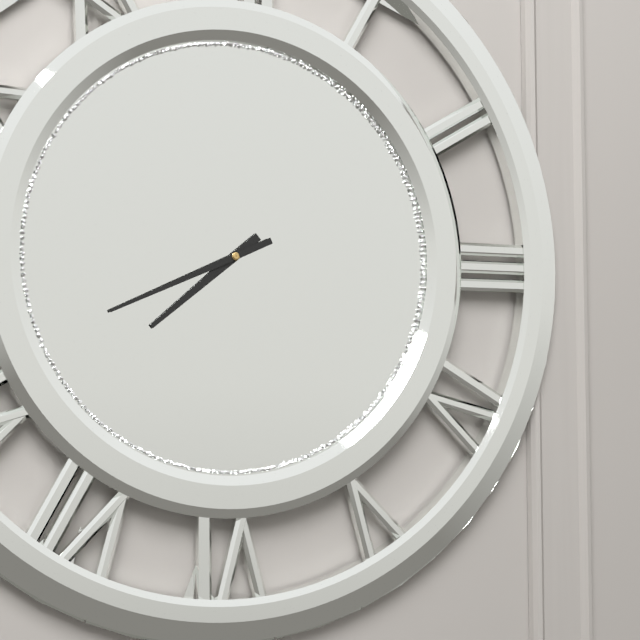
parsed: **7:41**
